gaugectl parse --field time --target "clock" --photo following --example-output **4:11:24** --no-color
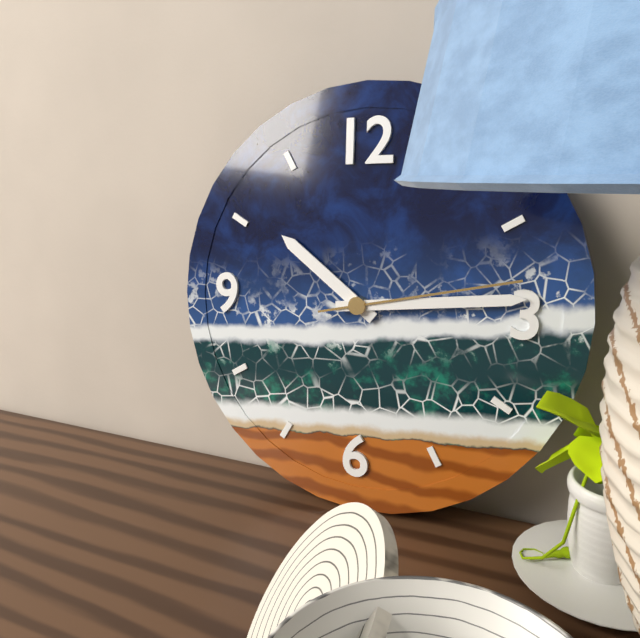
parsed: **10:14:13**
